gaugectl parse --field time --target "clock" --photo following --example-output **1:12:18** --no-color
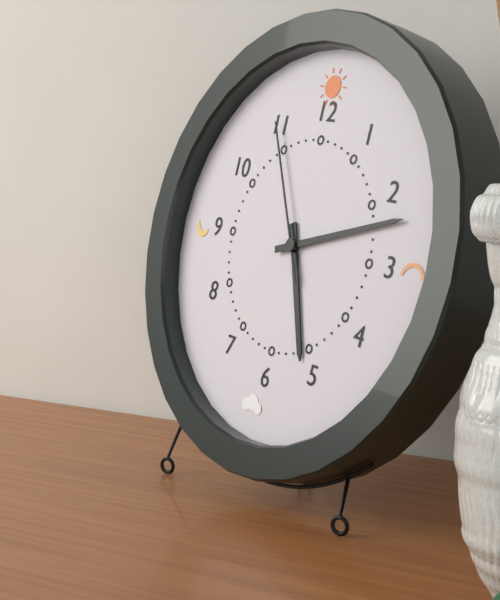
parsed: **5:12:55**
